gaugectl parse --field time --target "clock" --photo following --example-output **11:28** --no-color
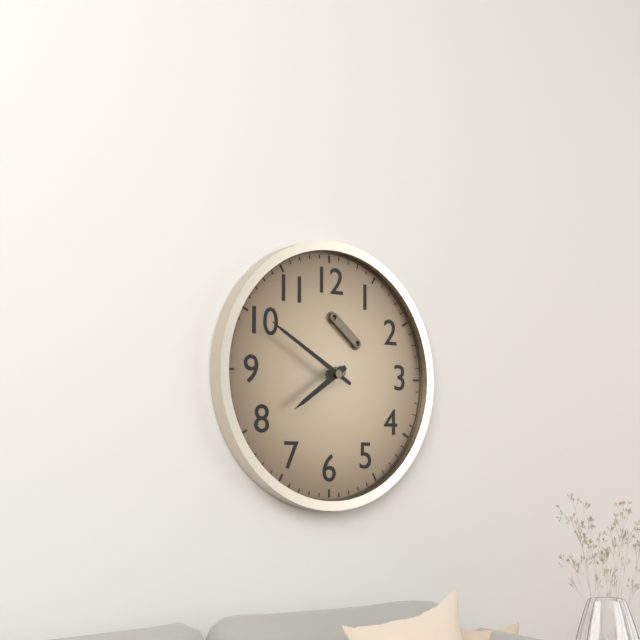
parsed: **7:50**
